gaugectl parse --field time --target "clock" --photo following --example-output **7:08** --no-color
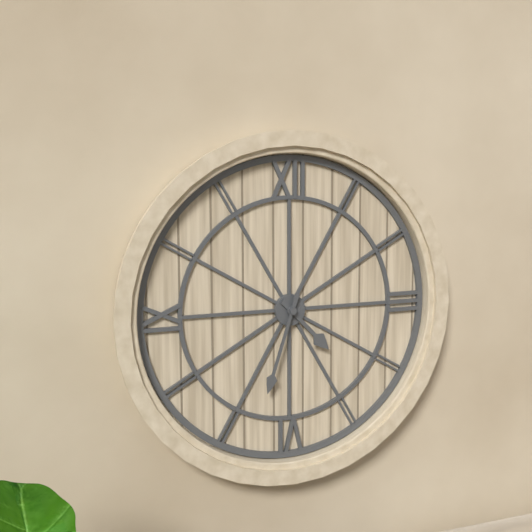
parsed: **4:33**
